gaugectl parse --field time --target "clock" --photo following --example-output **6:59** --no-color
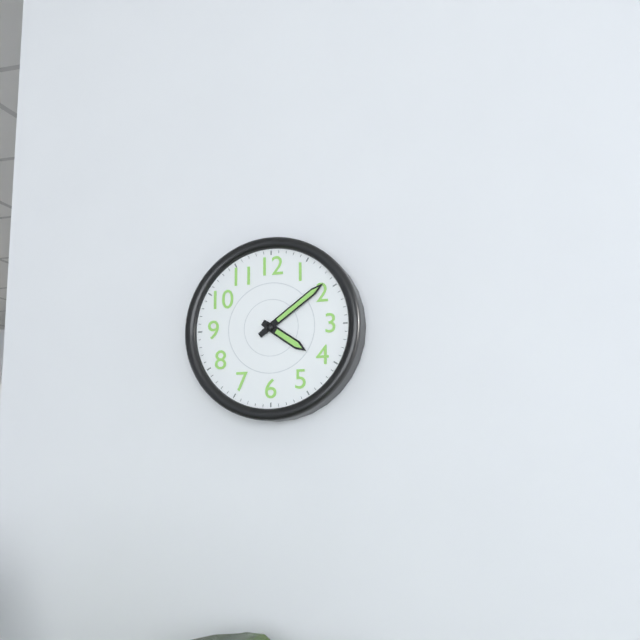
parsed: **4:09**
